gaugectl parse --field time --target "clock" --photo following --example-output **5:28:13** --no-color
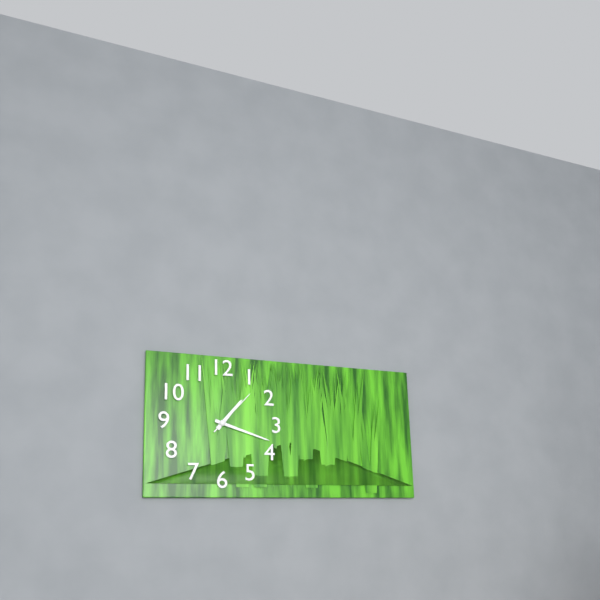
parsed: **1:18:07**
